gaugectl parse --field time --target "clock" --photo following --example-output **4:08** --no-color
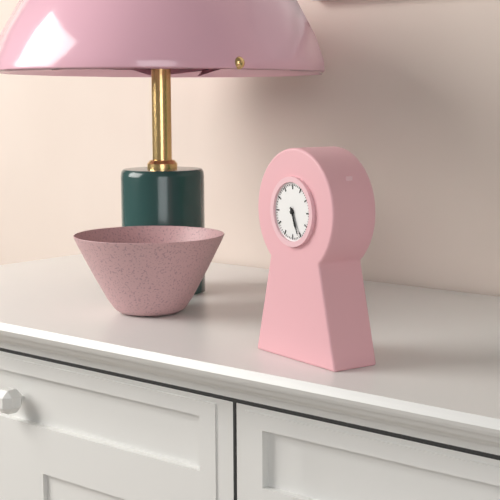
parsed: **5:26**
